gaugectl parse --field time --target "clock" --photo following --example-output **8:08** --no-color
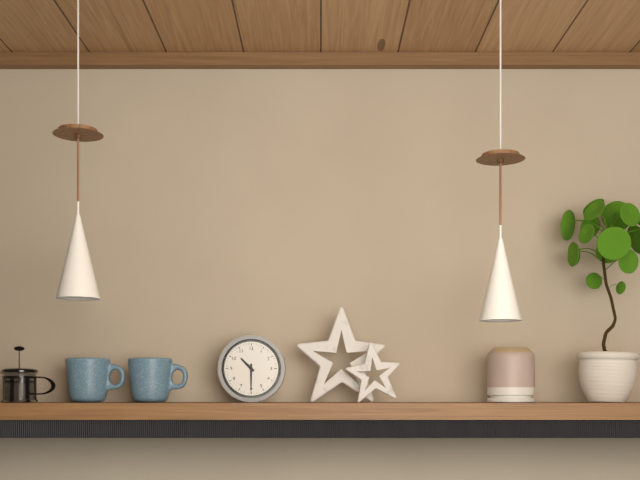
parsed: **10:30**
